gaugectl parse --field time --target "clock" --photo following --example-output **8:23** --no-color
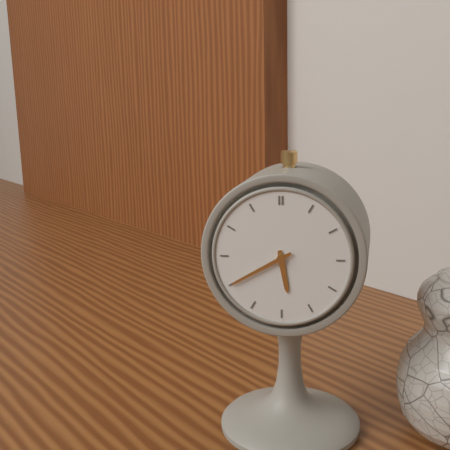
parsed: **5:40**
